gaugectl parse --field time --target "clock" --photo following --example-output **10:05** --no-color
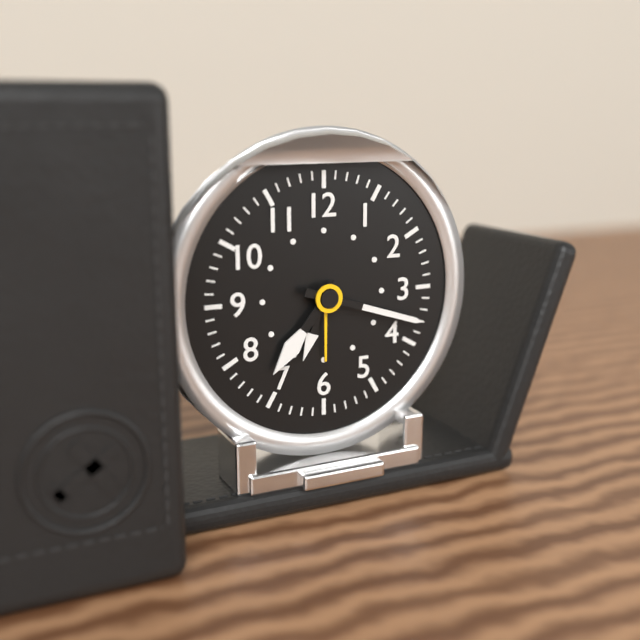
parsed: **7:18**
